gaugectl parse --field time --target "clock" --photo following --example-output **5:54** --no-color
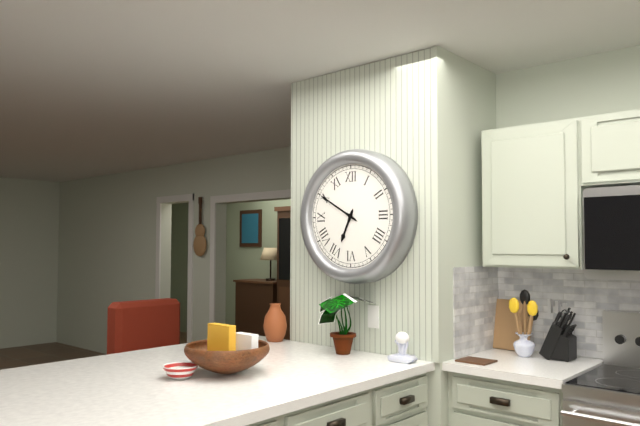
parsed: **6:50**
